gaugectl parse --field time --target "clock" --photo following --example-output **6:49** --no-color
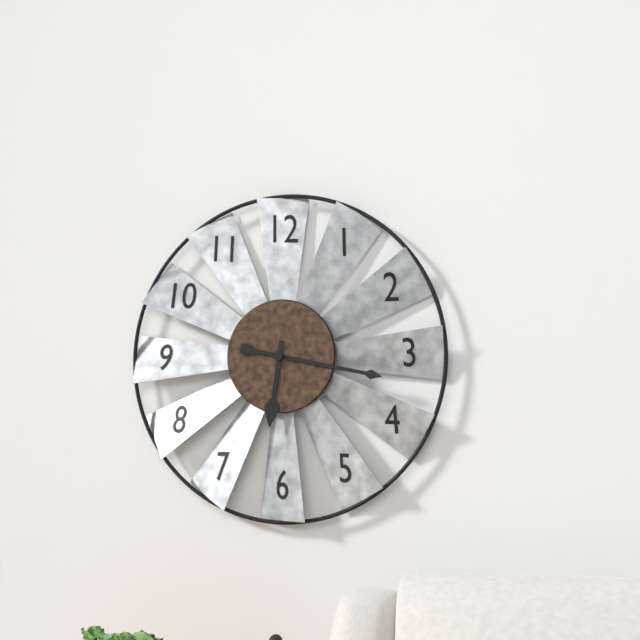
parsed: **6:17**
